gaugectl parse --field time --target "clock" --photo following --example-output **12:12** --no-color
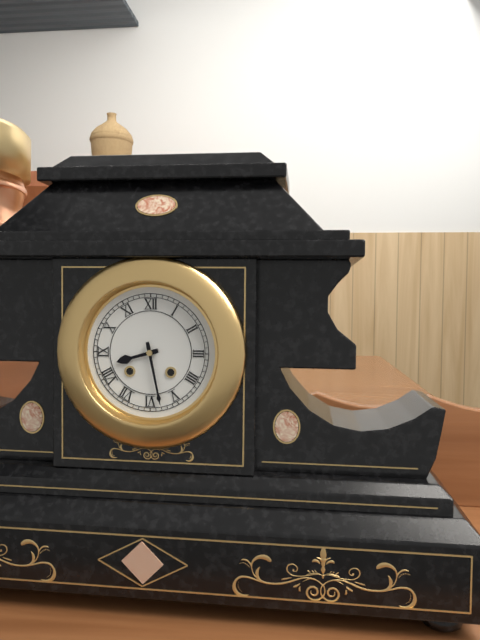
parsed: **8:28**
